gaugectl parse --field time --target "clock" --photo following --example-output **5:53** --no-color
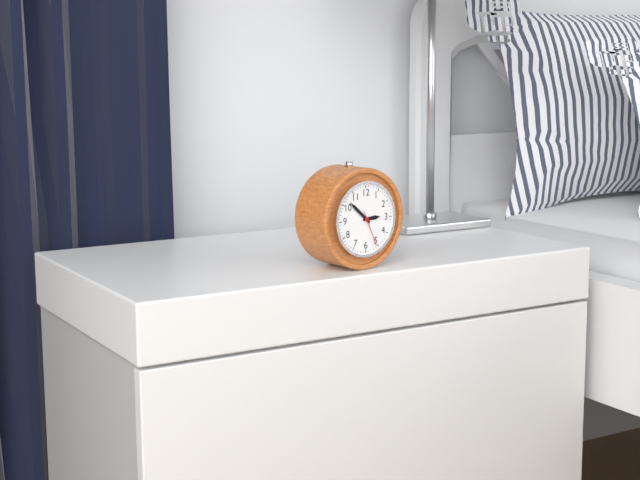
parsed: **2:52**
